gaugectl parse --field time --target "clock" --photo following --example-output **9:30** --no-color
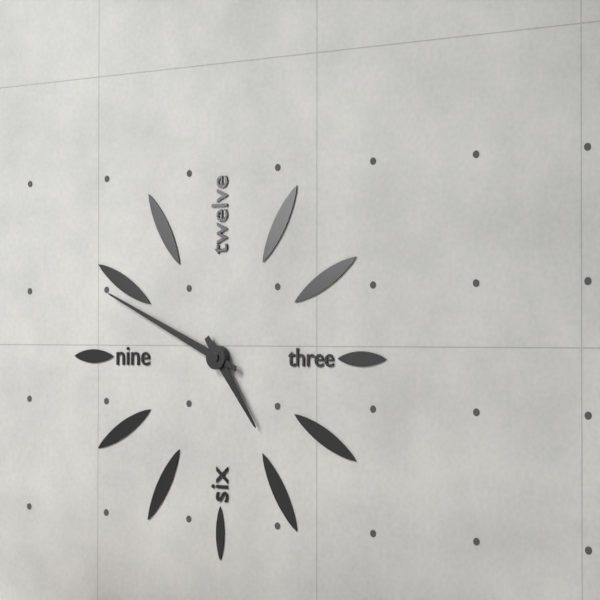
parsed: **4:49**
